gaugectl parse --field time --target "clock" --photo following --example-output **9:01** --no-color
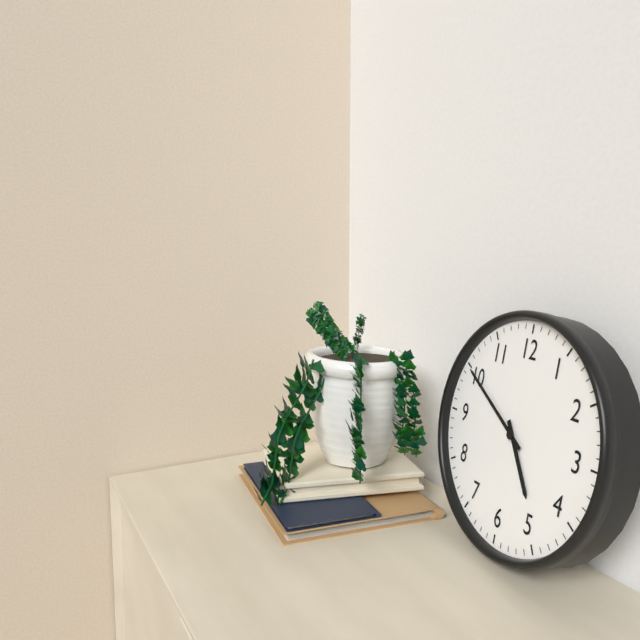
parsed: **4:50**
